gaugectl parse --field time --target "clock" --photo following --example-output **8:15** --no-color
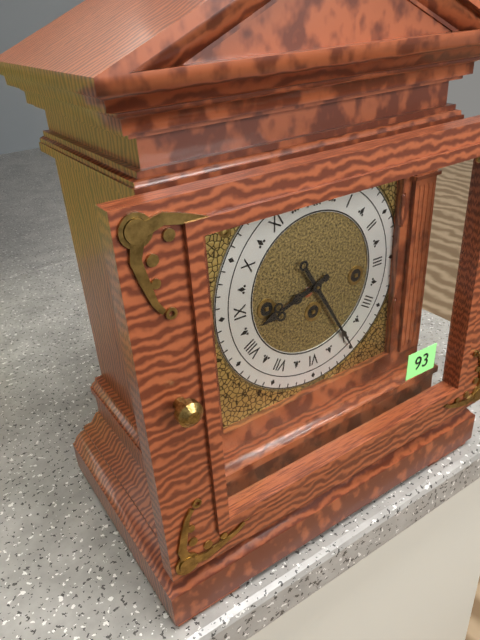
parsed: **8:25**
